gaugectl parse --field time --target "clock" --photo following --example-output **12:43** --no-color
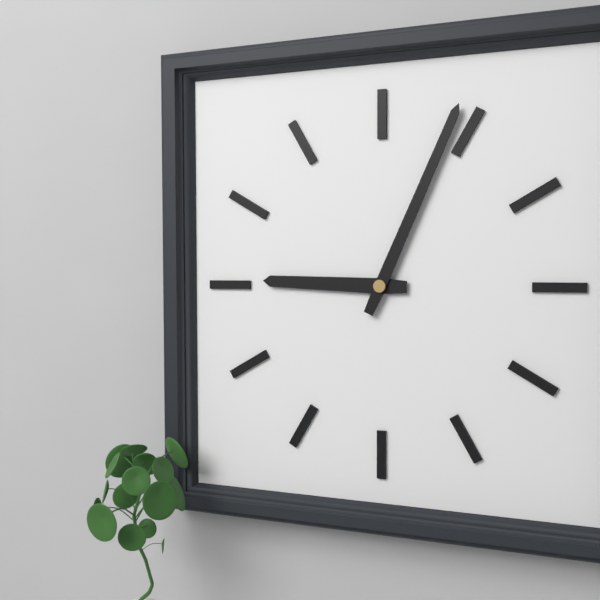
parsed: **9:04**
